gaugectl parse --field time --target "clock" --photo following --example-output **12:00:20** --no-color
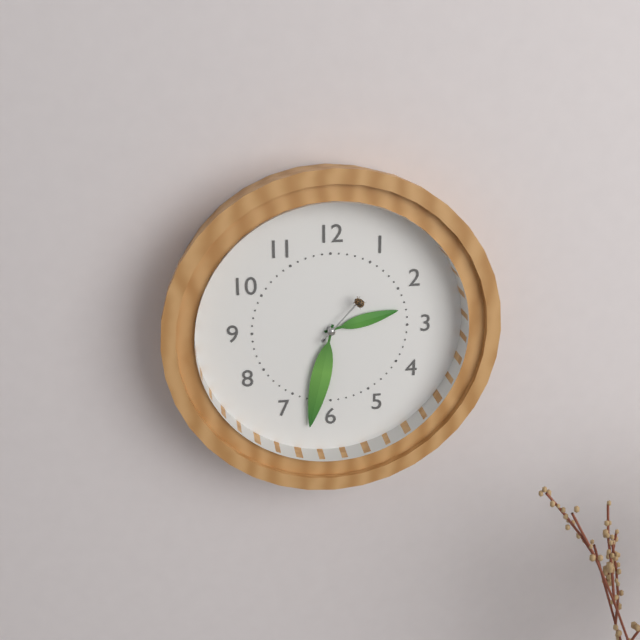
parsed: **2:32:07**
